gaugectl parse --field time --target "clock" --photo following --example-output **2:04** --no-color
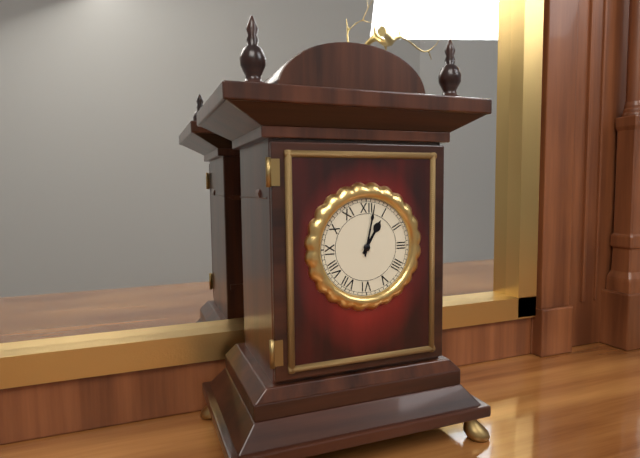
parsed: **1:02**
